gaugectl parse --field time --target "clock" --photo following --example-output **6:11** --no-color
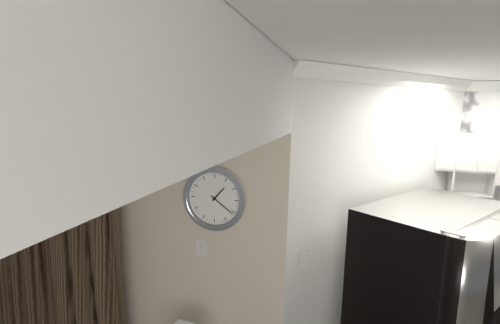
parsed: **1:21**
